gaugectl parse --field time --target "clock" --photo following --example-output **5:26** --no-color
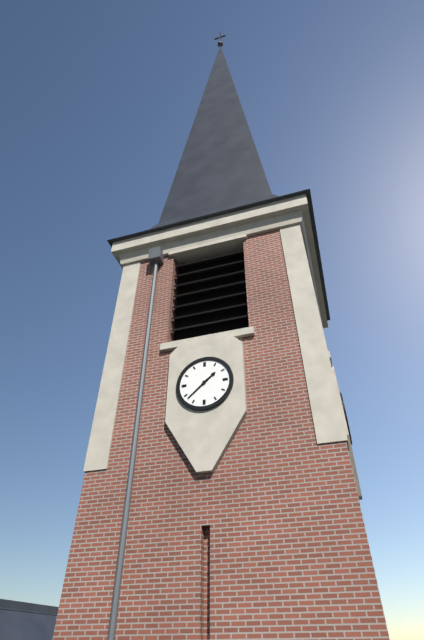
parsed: **1:38**
